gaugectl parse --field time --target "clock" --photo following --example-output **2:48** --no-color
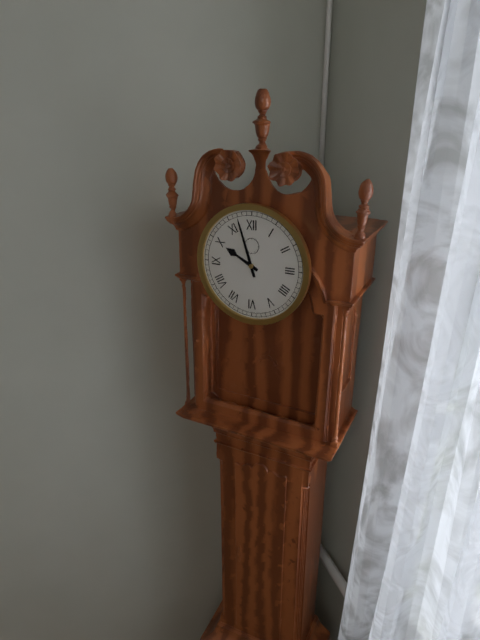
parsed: **9:57**
